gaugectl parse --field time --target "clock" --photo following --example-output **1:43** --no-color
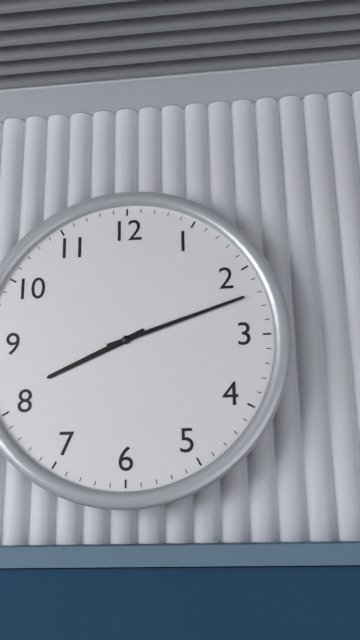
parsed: **8:12**
